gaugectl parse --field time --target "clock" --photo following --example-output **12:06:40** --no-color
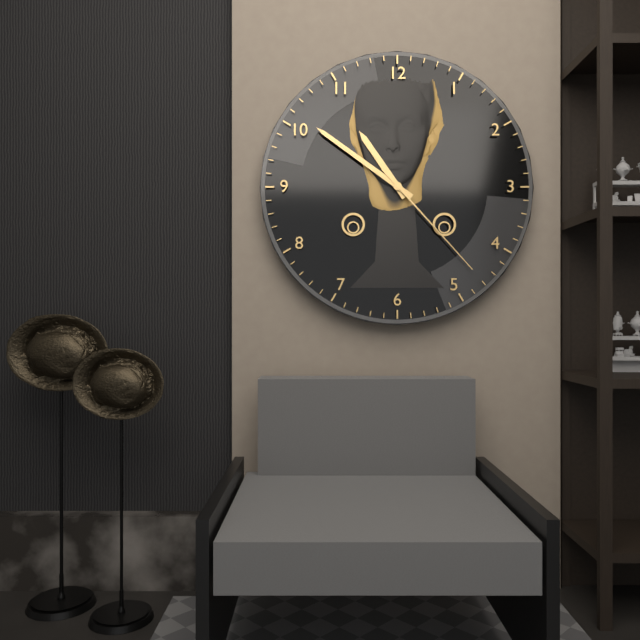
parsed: **10:51:23**
